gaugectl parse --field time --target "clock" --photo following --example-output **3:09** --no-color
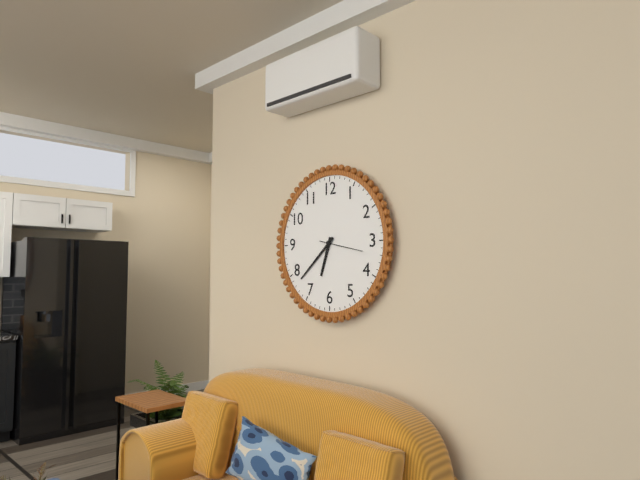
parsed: **6:38**
